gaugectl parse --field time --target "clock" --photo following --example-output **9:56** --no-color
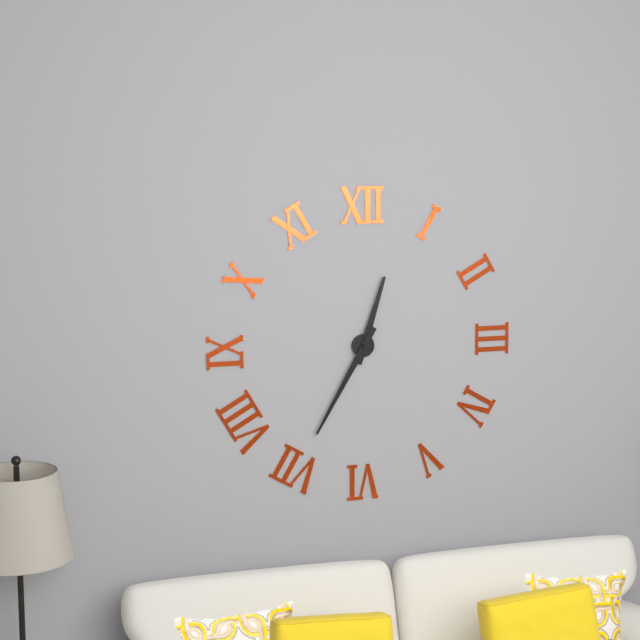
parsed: **12:35**
